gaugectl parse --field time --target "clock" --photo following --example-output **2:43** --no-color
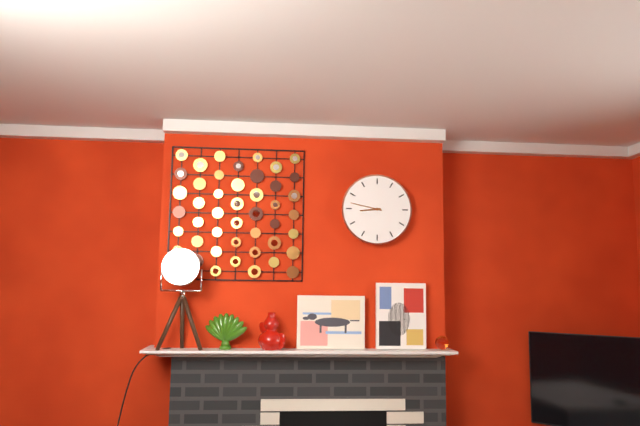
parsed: **8:47**
